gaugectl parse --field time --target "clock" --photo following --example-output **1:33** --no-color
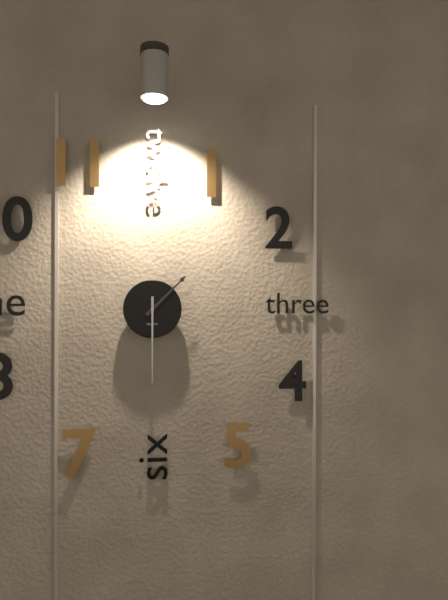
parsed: **1:30**
